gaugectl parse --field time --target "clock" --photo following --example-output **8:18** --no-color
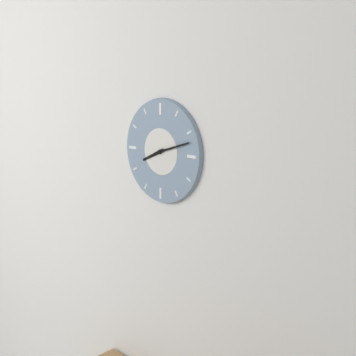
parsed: **8:12**
